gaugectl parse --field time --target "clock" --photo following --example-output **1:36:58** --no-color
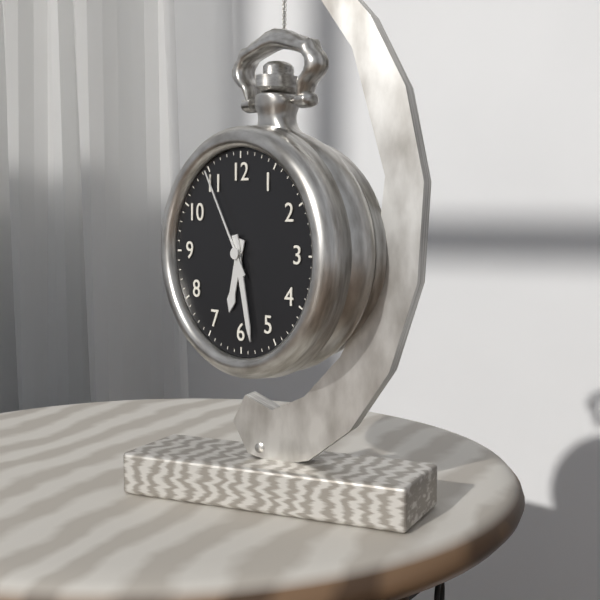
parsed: **6:28:55**
